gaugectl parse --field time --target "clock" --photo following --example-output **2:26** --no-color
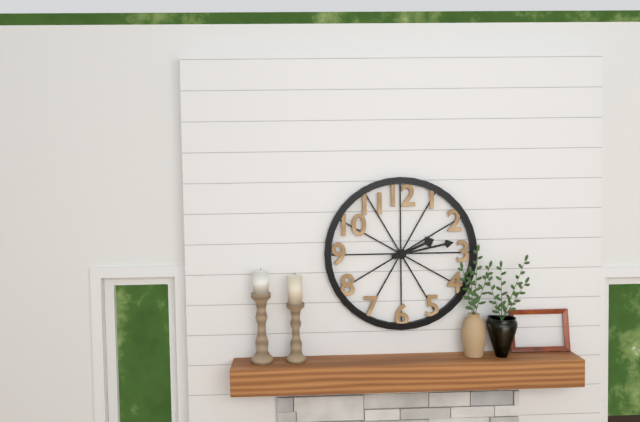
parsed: **2:13**
